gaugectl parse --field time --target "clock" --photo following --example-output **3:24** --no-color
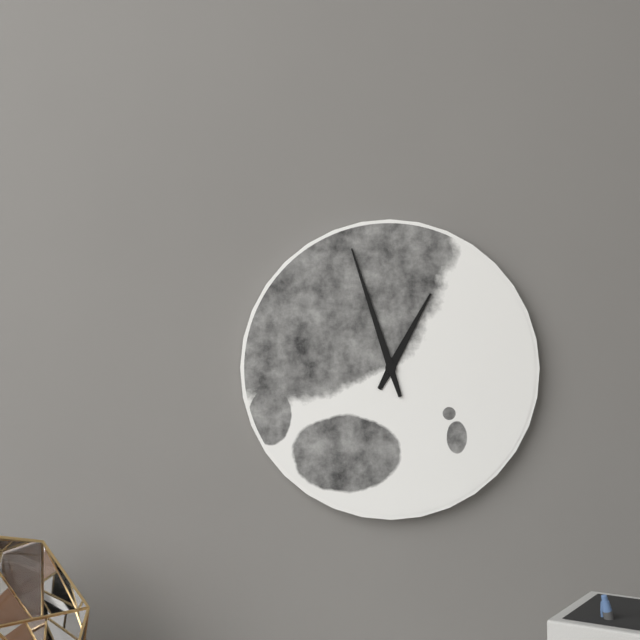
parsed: **12:57**
